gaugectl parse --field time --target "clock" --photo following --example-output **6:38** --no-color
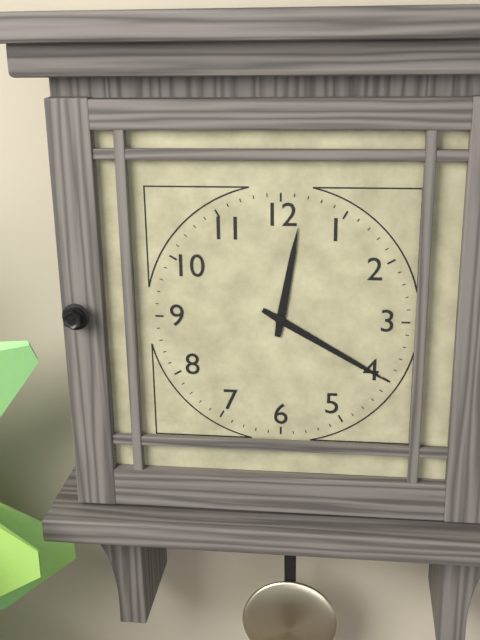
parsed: **12:20**
